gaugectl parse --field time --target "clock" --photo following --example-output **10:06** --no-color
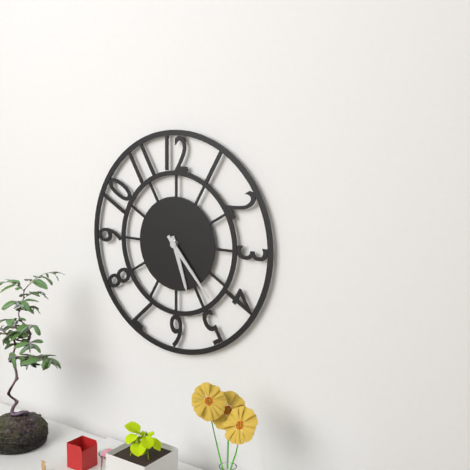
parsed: **5:23**
